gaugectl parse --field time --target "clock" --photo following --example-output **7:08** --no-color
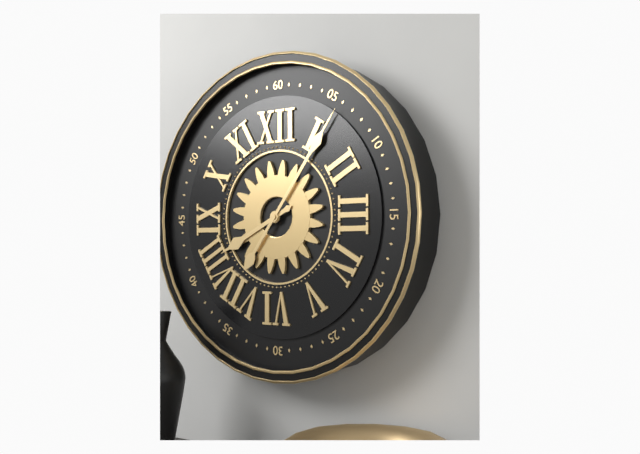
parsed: **8:06**
